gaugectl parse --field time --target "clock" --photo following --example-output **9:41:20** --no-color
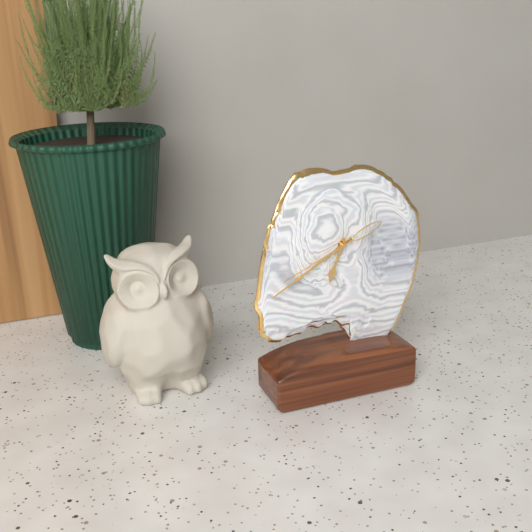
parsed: **6:40:41**
